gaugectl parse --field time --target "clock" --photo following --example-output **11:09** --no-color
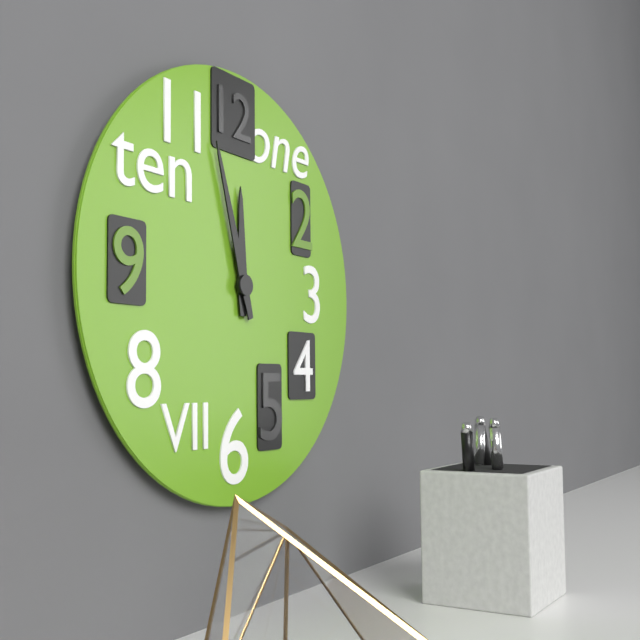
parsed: **11:57**
